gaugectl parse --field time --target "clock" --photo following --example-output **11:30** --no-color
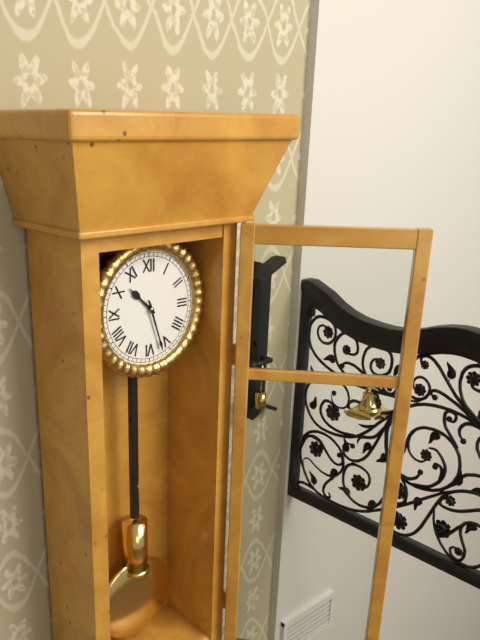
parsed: **10:27**
